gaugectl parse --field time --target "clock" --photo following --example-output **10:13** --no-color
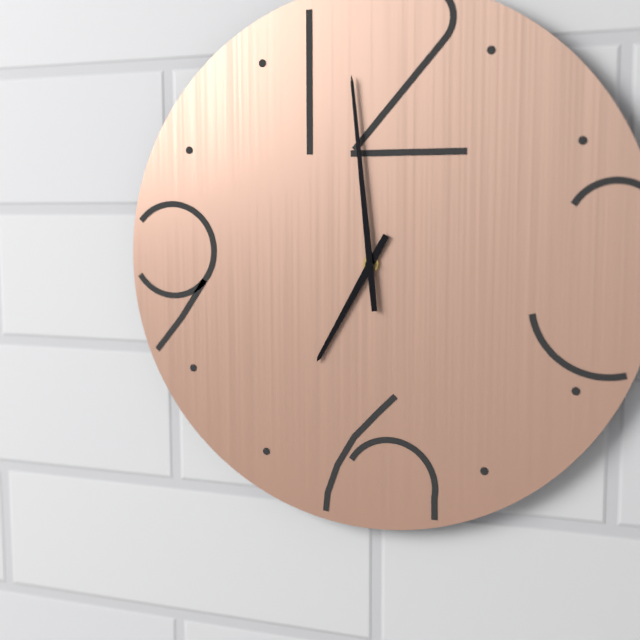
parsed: **6:59**
